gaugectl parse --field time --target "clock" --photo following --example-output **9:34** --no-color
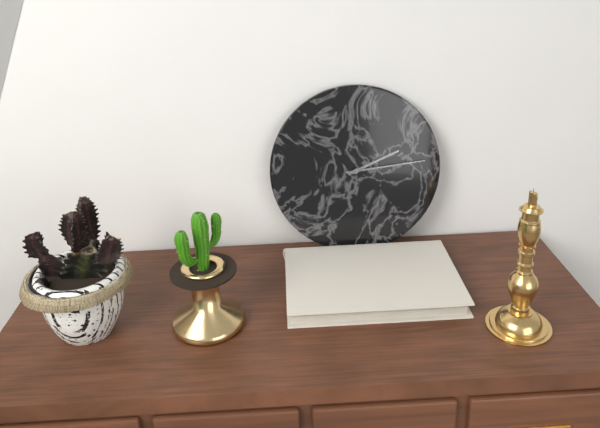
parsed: **2:14**
